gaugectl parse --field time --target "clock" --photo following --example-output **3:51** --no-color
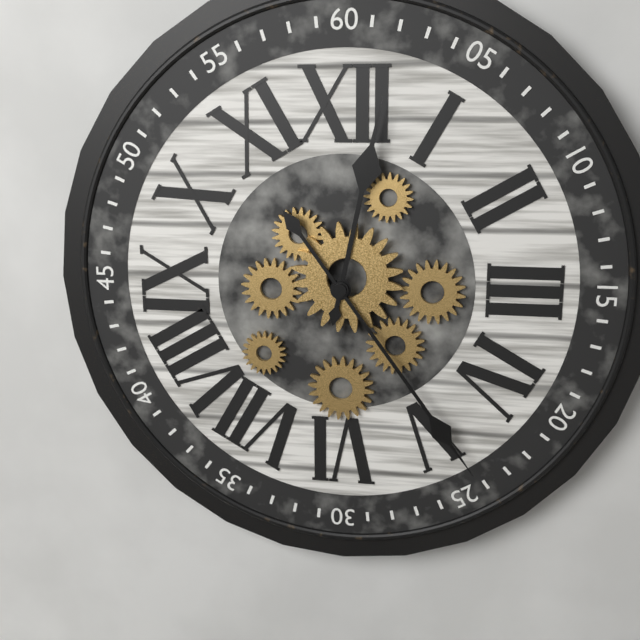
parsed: **12:24**
